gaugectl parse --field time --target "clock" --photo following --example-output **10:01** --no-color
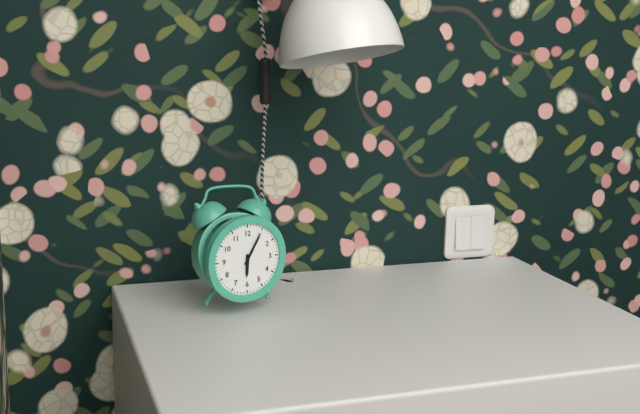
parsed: **6:05**
